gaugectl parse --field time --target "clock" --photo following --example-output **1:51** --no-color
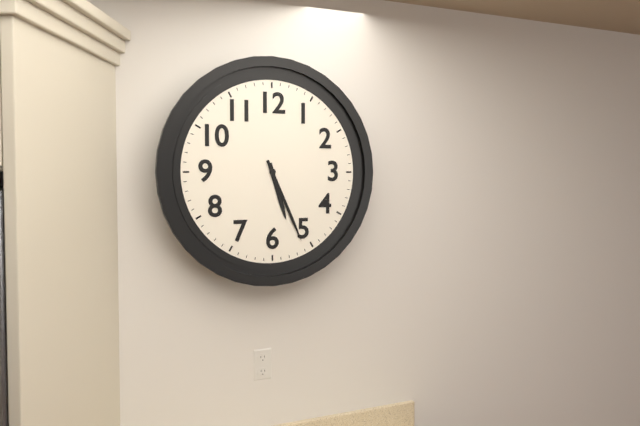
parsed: **5:26**
